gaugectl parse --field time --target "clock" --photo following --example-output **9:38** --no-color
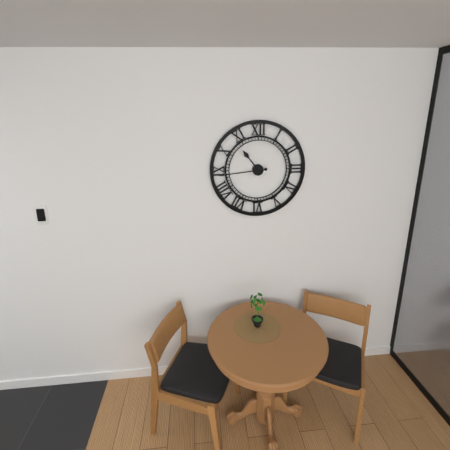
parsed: **10:44**
